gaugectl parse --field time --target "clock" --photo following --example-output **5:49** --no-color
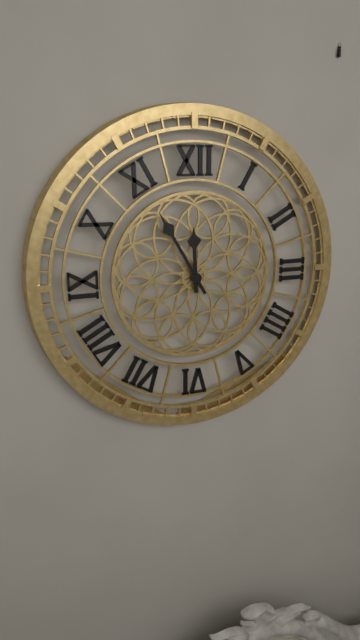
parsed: **11:55**
